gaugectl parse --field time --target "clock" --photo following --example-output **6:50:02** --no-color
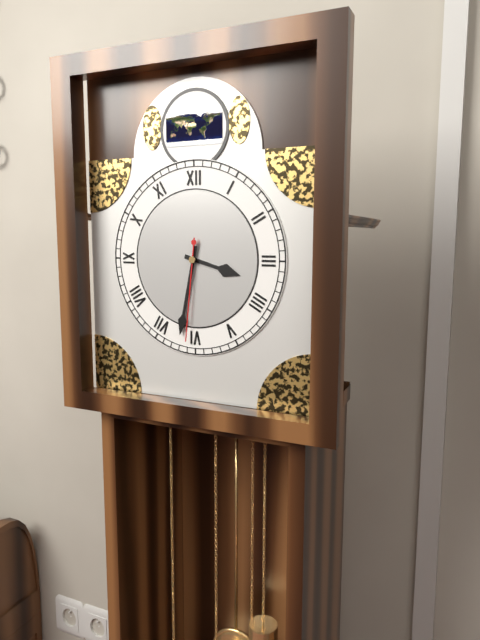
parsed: **3:32:31**
